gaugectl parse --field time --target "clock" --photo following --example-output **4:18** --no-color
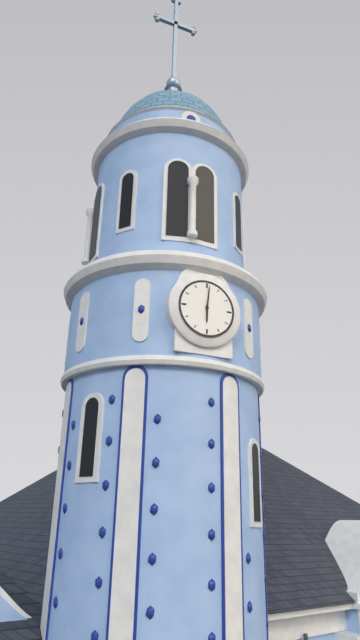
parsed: **6:01**
